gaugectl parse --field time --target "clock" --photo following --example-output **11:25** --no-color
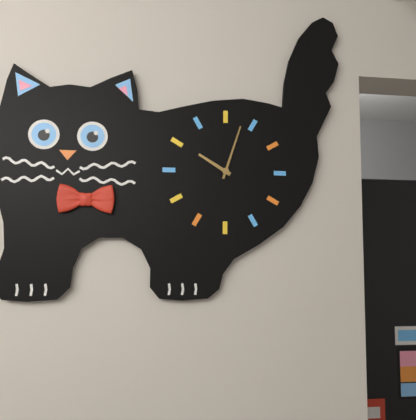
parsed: **10:03**
